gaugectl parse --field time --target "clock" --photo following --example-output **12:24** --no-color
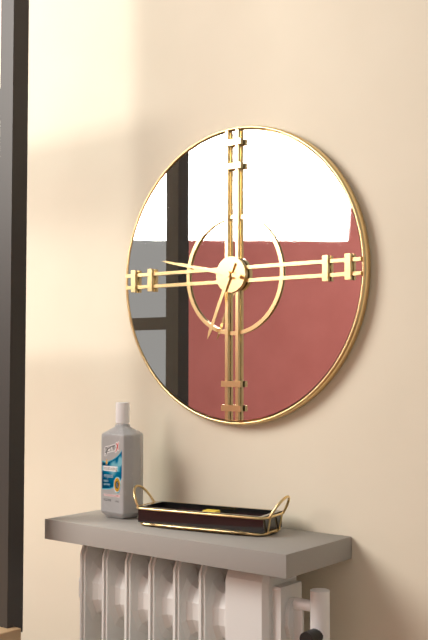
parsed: **6:47**
